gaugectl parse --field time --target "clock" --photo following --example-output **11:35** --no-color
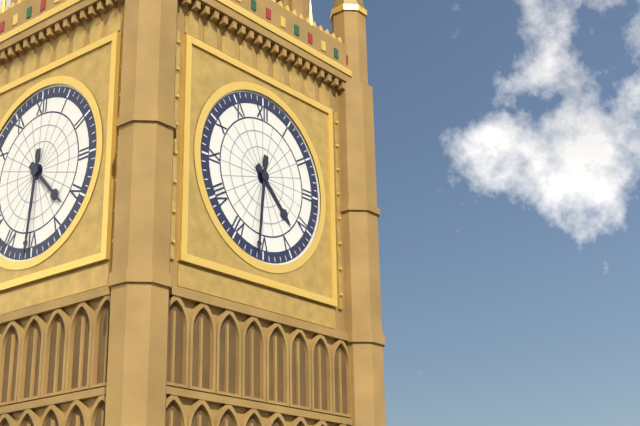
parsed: **4:31**
